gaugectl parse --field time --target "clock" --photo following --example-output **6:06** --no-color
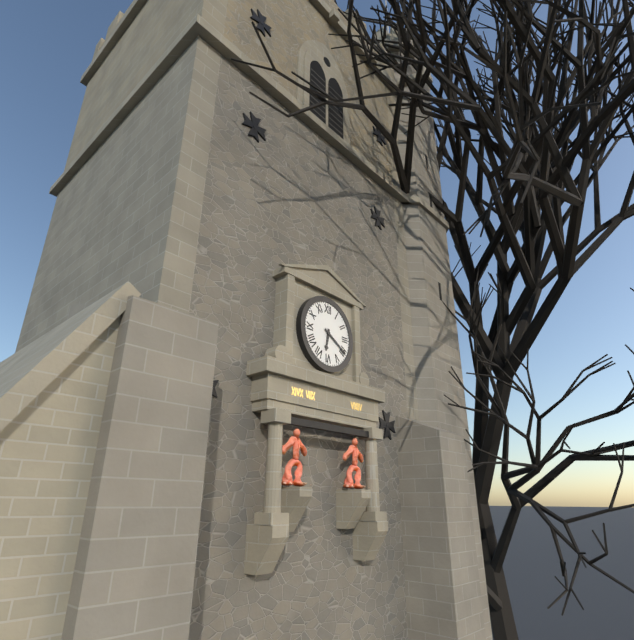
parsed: **6:20**
